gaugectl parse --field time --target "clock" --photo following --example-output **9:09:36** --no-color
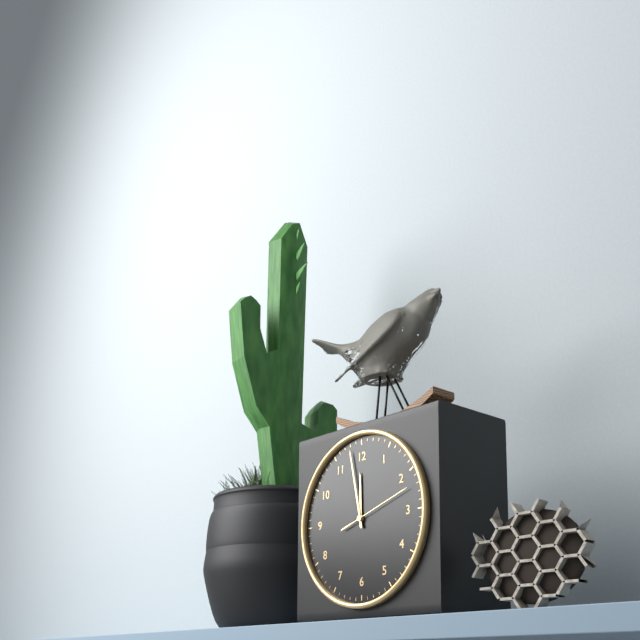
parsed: **11:58:12**
